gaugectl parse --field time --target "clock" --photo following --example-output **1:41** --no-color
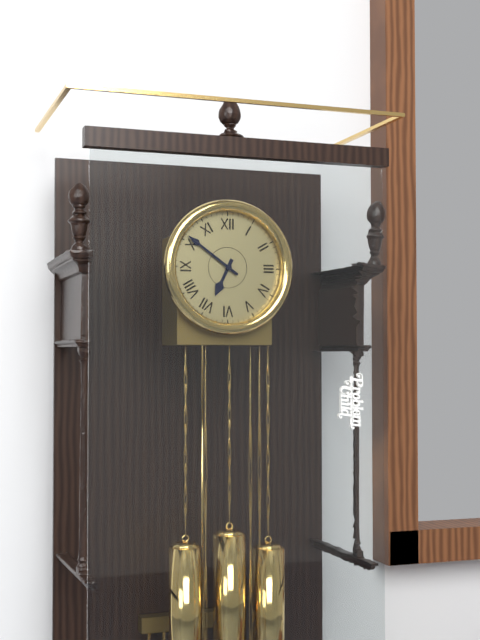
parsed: **6:51**
